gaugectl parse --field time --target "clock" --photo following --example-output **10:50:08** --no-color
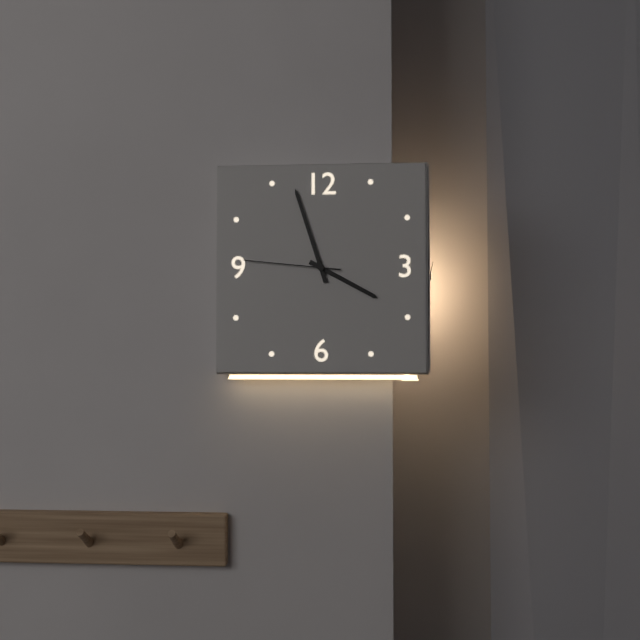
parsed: **3:57:46**
